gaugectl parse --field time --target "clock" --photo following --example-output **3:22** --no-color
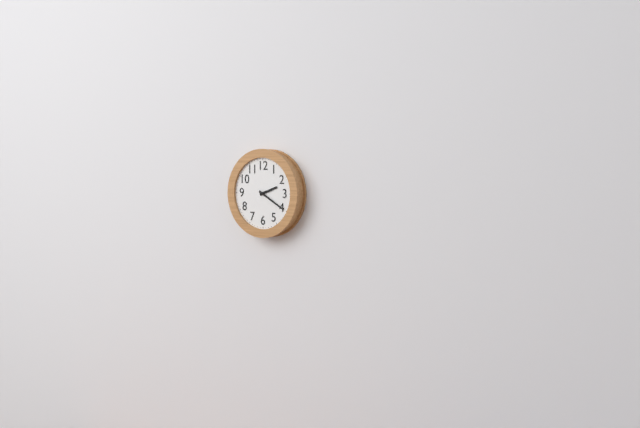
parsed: **2:20**
